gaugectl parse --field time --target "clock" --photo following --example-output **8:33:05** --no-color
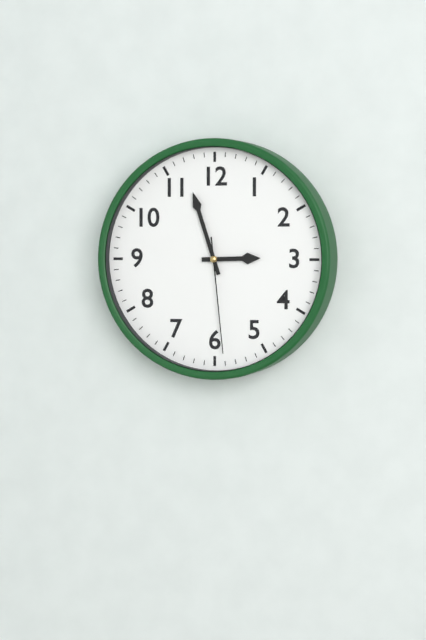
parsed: **2:57:29**
